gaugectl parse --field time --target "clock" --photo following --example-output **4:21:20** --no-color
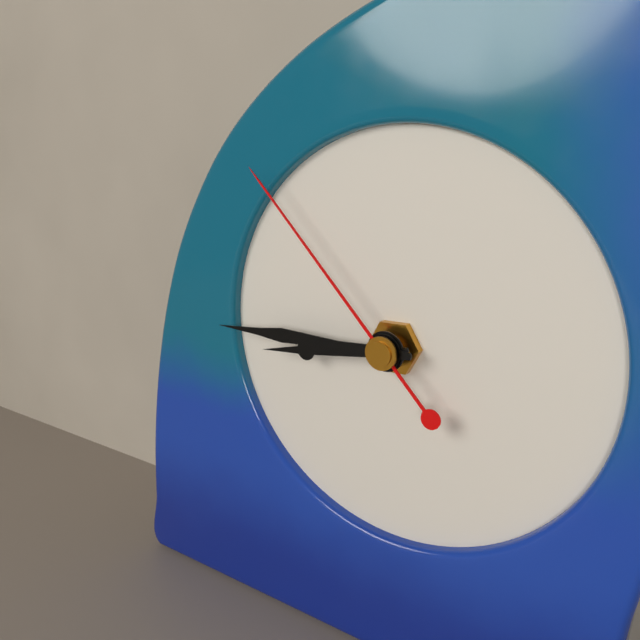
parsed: **8:45:53**
